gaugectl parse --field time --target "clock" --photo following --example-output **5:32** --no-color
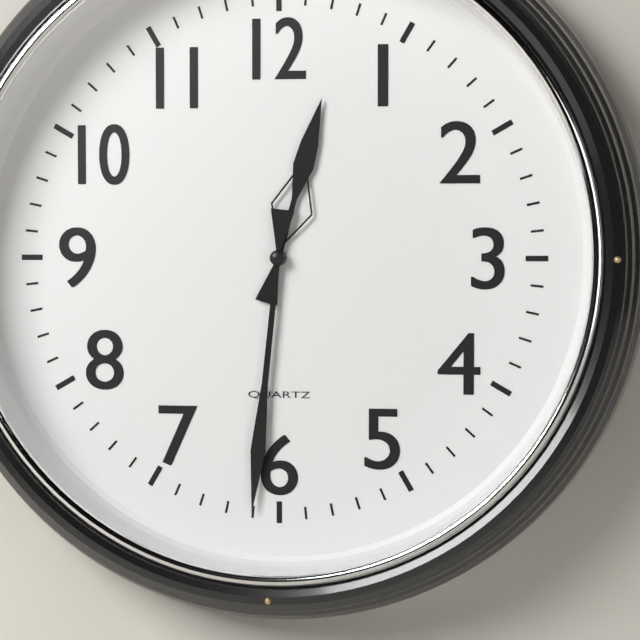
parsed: **12:31**
